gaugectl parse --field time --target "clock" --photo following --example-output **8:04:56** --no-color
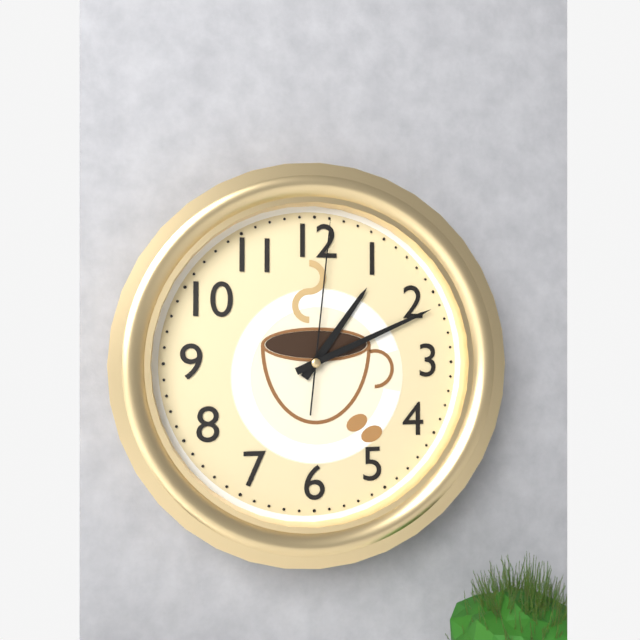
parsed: **1:11:01**
